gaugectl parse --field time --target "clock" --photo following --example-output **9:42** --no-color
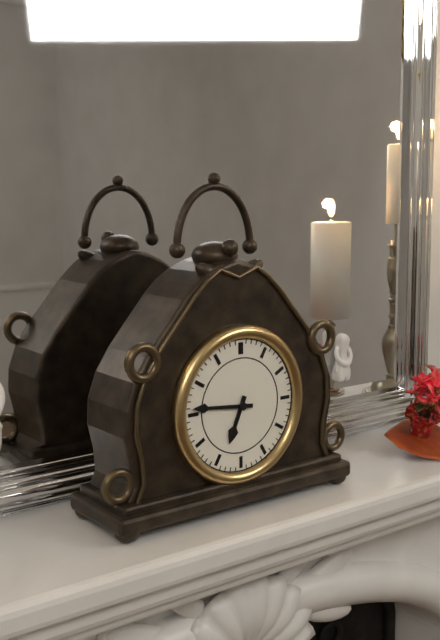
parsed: **6:46**
